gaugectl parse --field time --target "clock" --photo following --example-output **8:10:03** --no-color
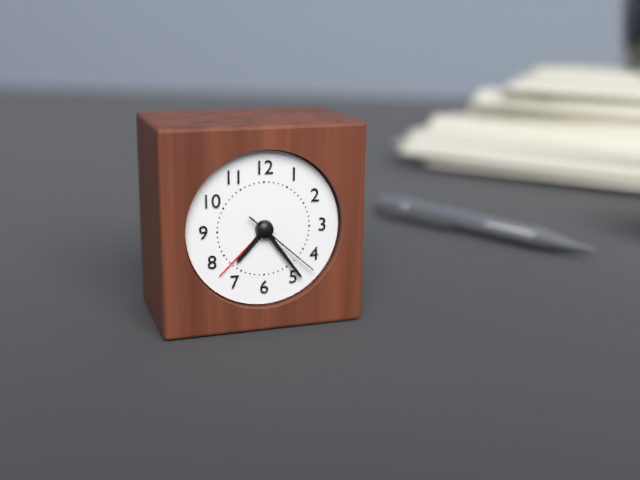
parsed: **7:24:22**
